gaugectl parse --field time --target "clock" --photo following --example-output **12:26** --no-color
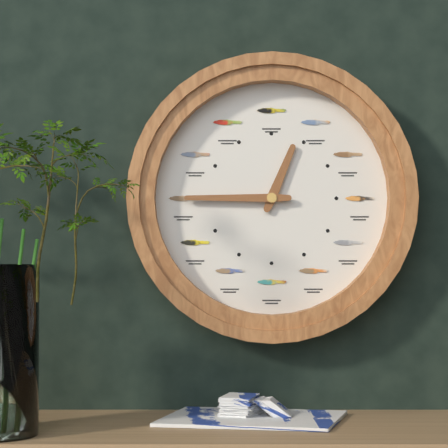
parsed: **12:45**
